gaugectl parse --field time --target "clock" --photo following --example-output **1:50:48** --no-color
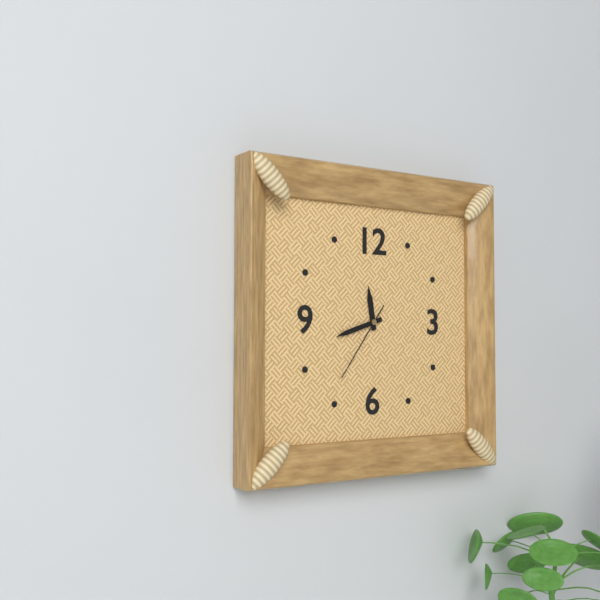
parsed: **11:42:36**
